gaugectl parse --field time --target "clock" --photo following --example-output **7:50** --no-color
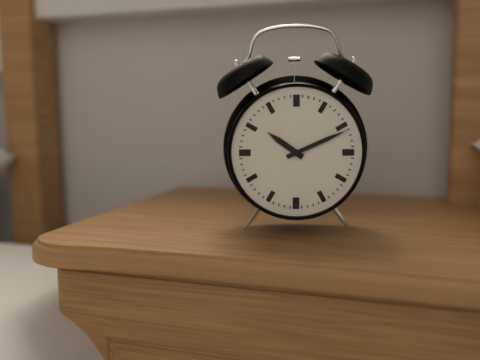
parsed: **10:11**
